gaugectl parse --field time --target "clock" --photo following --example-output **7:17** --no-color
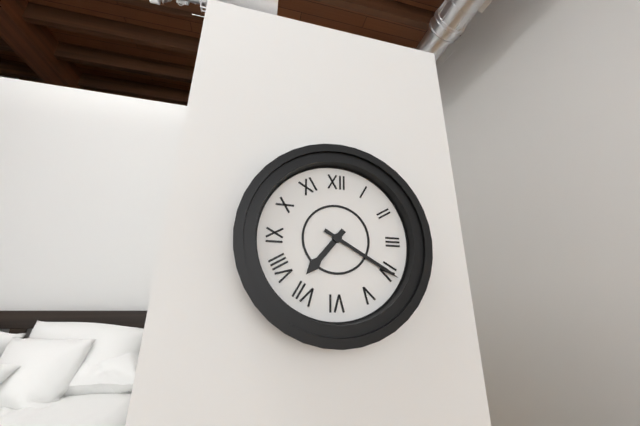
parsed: **7:20**
